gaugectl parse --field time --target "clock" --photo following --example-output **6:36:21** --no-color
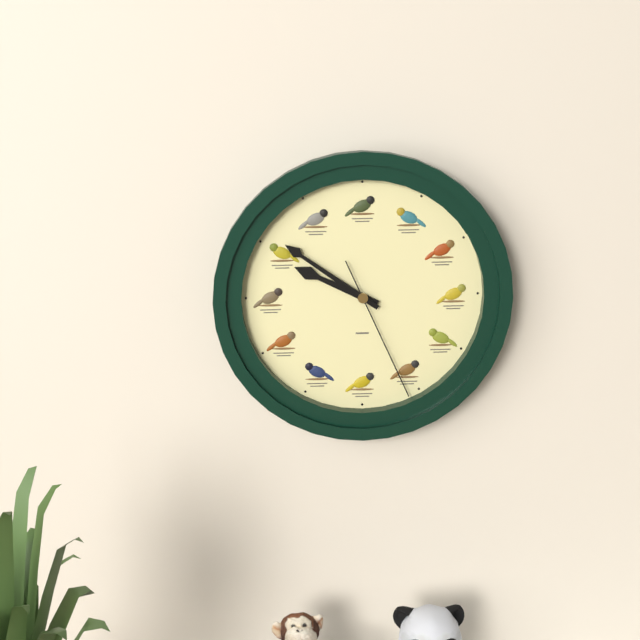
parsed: **9:51:26**
